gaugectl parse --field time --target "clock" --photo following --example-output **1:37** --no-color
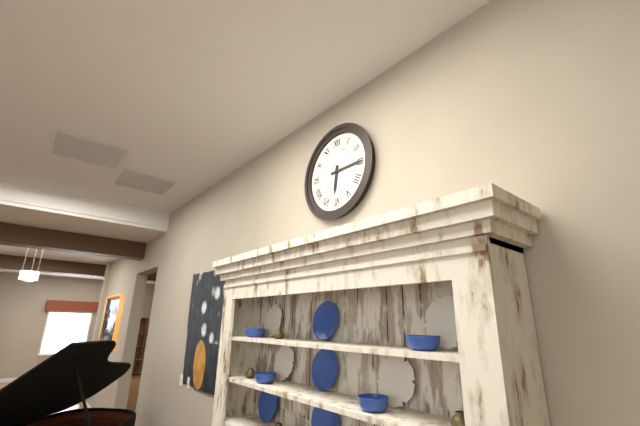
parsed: **6:15**
